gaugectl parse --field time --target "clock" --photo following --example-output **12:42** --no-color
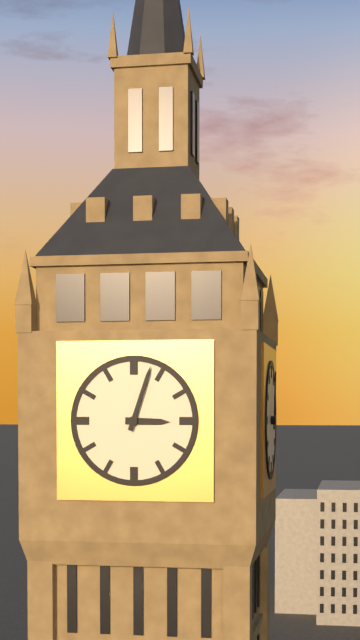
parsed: **3:03**
